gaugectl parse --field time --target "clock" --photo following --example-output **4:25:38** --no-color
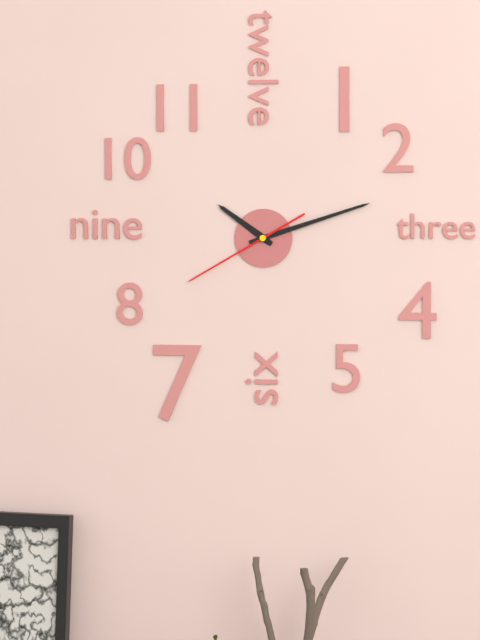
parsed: **10:12:40**
